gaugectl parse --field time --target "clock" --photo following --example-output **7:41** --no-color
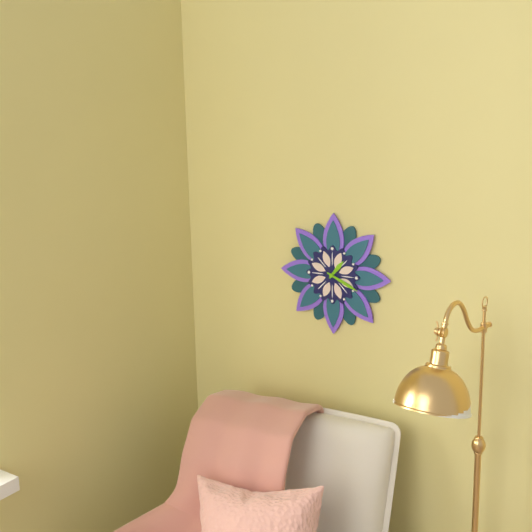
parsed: **1:19**
